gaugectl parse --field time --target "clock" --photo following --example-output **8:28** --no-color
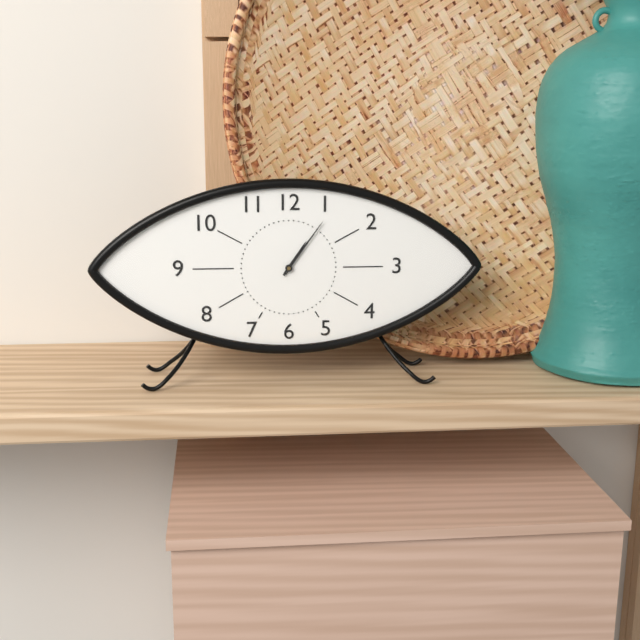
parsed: **1:06**
